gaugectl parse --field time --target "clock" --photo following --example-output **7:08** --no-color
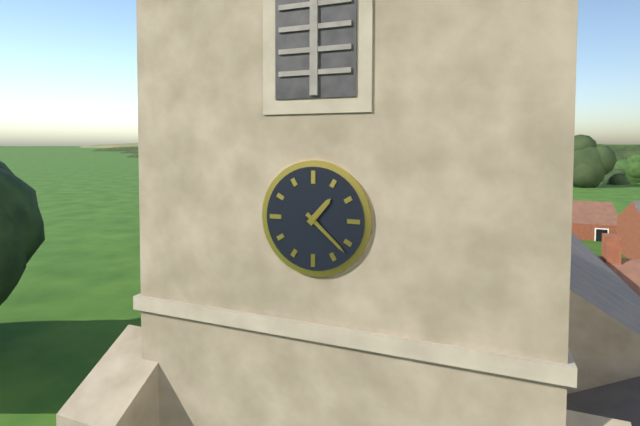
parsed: **1:22**
